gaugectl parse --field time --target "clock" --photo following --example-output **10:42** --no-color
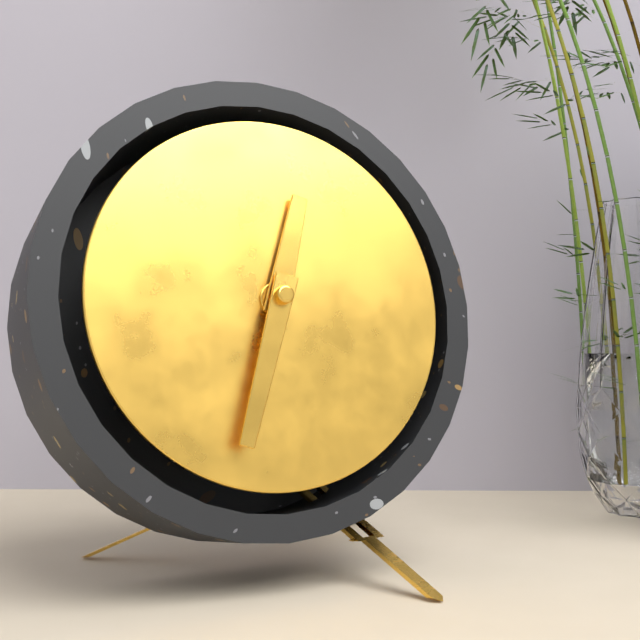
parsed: **12:33**
